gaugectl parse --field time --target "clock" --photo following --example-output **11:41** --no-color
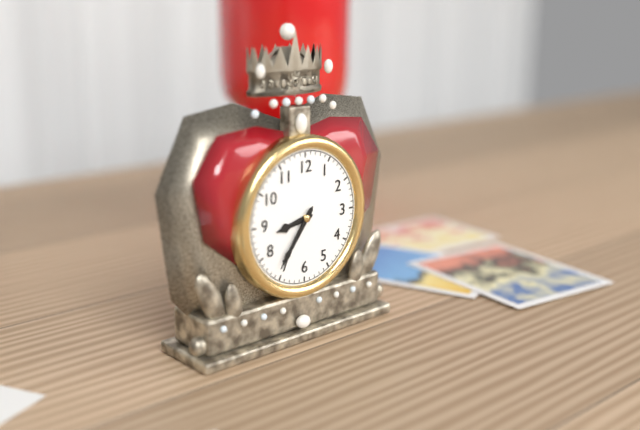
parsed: **8:36**
